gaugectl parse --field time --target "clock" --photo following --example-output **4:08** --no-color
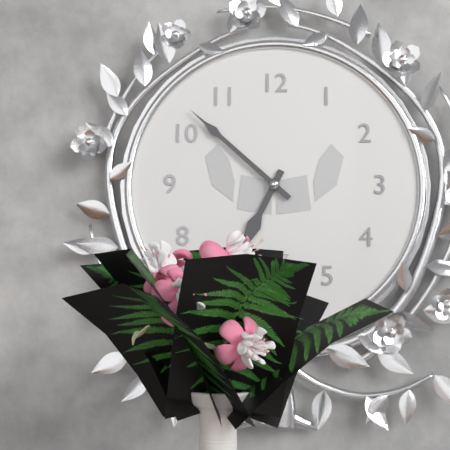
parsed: **6:52**
